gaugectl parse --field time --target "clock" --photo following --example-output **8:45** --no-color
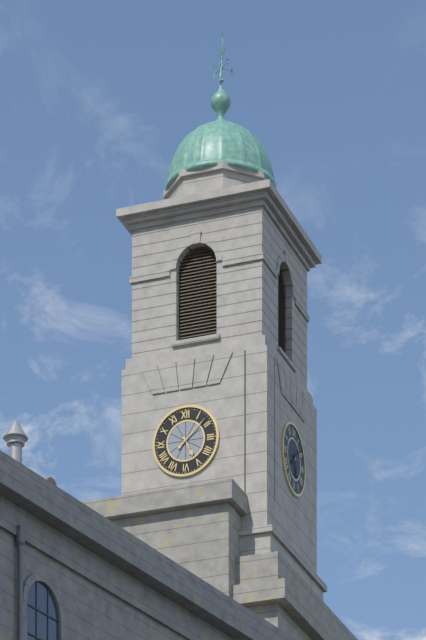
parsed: **5:08**
